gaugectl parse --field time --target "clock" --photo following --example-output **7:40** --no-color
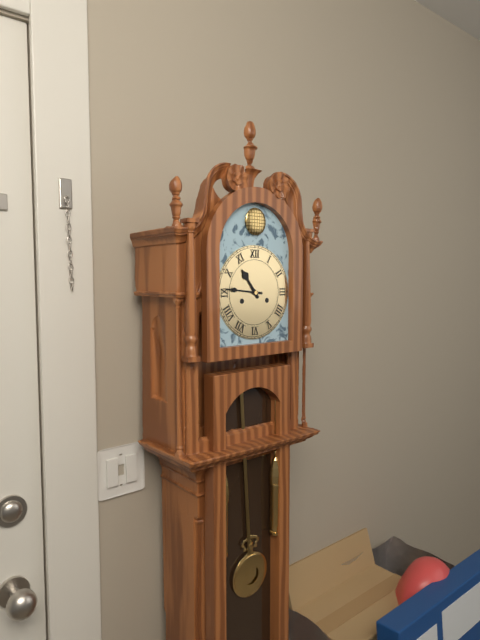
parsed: **10:46**
